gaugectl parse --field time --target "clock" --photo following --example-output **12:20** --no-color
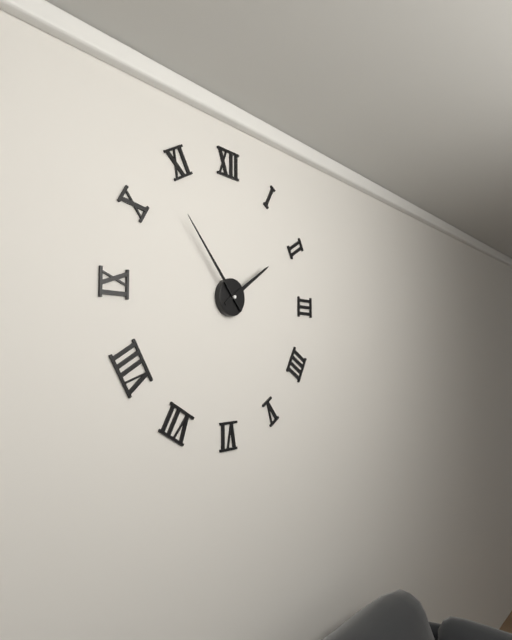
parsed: **1:53**
